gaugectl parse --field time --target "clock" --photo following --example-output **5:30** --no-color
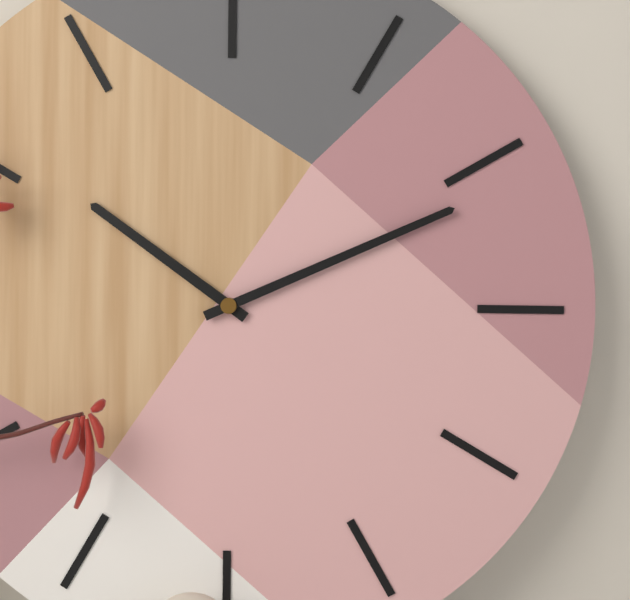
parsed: **10:11**
